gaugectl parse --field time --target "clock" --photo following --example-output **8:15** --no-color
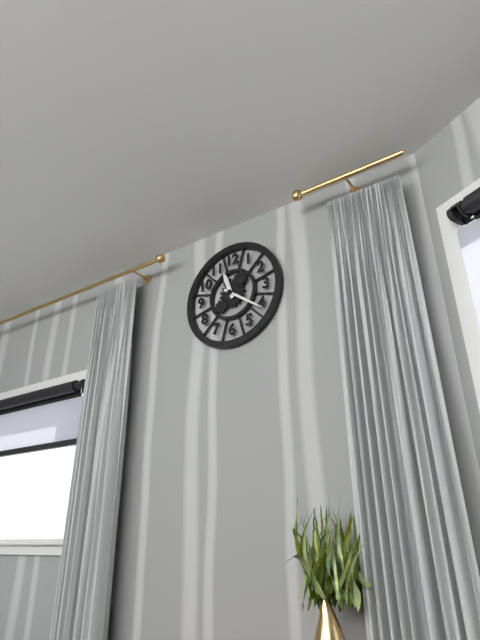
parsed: **11:21**
